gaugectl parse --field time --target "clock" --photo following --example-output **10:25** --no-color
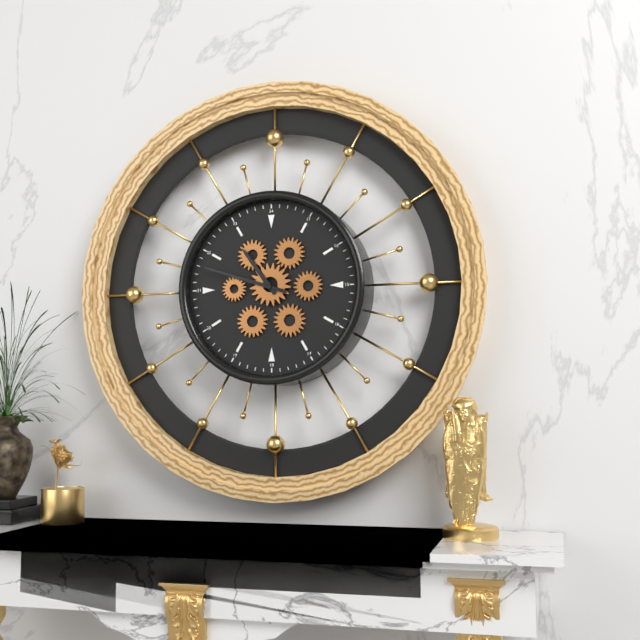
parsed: **10:48**
